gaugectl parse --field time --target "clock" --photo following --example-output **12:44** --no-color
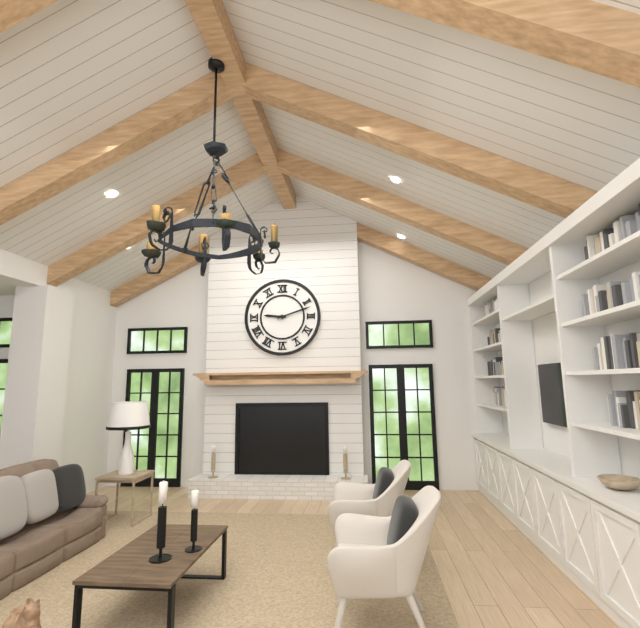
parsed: **9:12**
